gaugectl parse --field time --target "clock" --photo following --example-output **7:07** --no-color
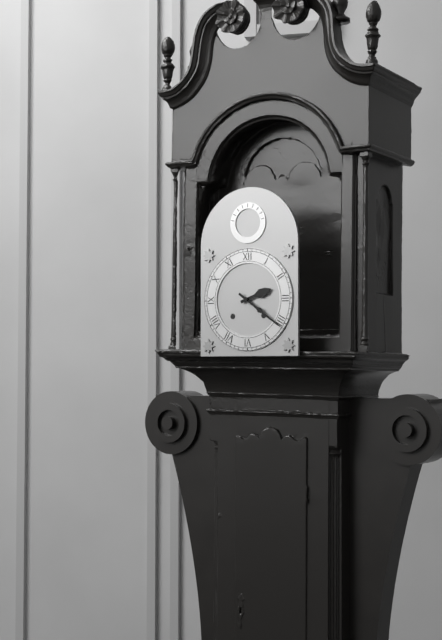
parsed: **2:21**
